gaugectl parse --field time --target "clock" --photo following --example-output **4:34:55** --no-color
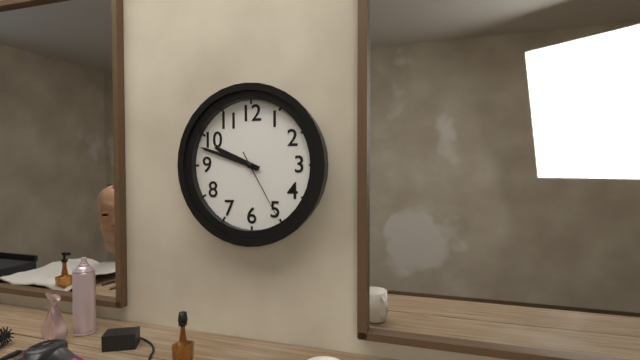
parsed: **9:48:25**
